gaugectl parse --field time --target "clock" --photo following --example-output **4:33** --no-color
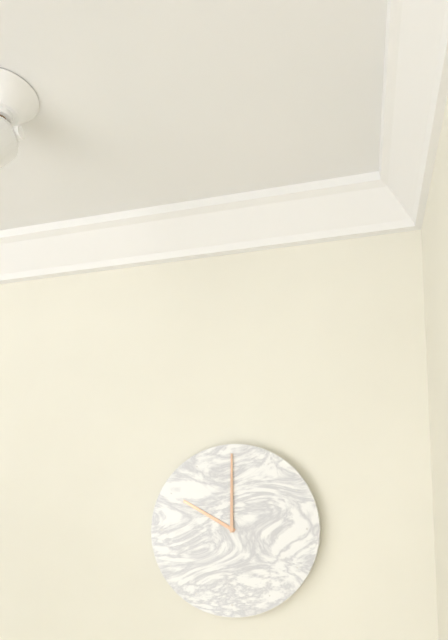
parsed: **10:00**
